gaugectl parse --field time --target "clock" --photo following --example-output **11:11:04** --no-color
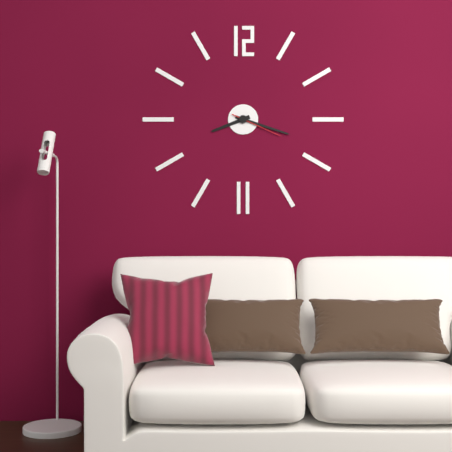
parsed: **8:18:19**
